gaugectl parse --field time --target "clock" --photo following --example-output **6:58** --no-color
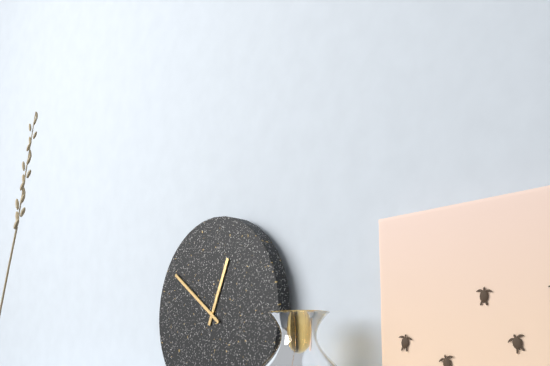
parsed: **12:51**
